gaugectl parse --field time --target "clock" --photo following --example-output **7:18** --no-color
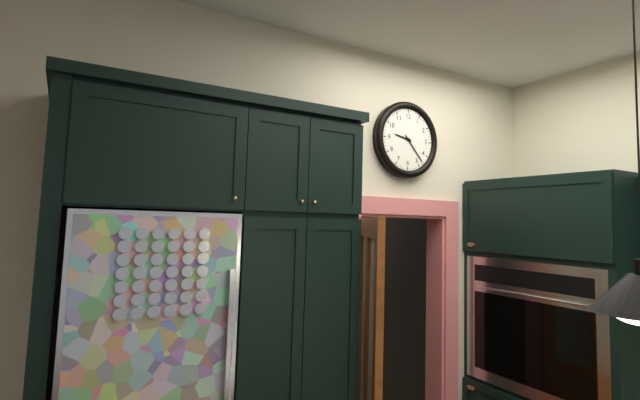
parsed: **9:23**
